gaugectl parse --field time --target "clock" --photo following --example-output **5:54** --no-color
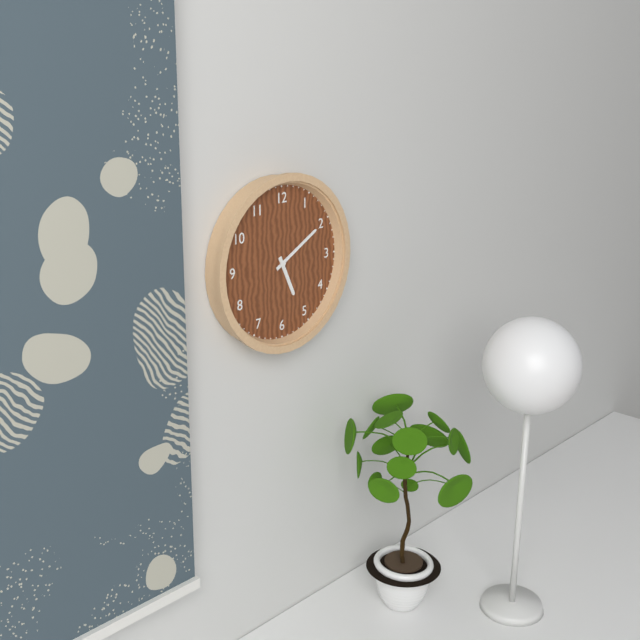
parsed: **5:10**
